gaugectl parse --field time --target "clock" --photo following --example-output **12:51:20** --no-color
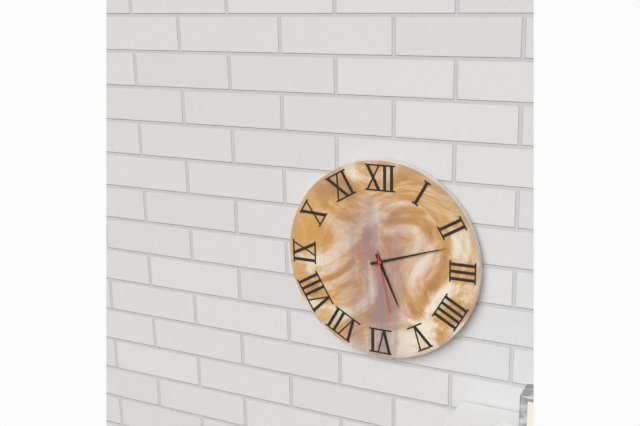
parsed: **5:12:28**
